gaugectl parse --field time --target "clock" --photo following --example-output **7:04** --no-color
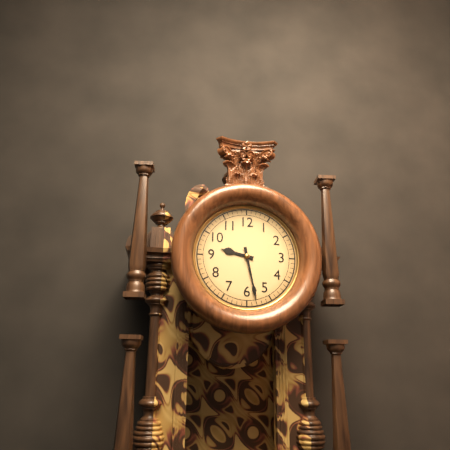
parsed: **9:28**
